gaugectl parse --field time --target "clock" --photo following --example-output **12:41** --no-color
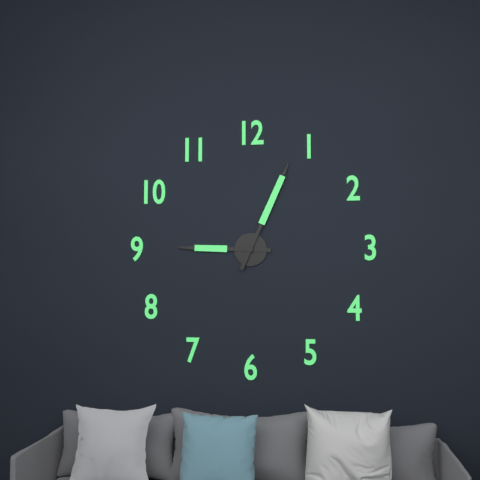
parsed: **9:04**
